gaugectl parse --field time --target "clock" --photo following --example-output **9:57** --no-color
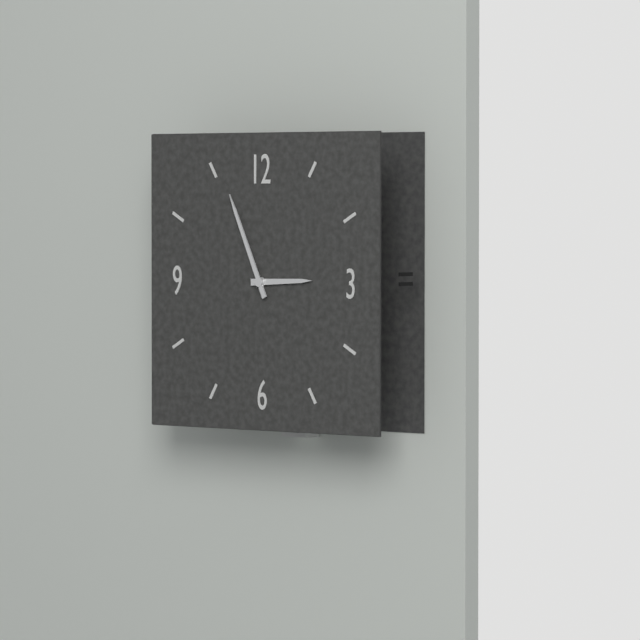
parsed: **2:56**
